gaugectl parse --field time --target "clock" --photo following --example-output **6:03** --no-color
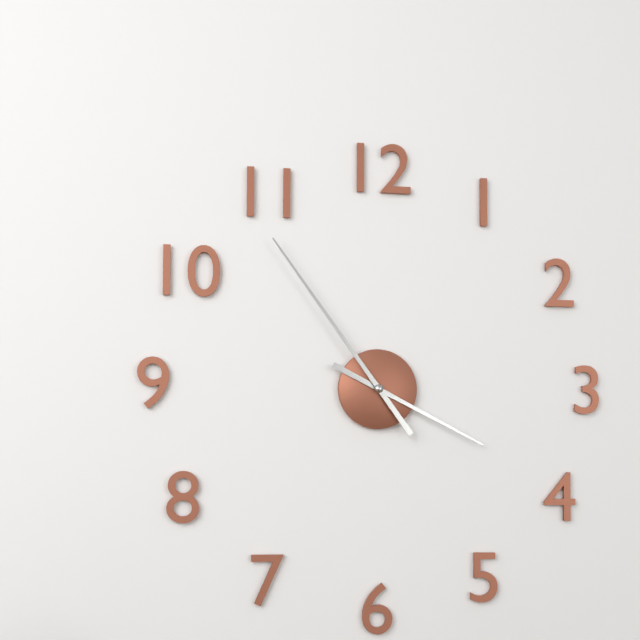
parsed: **3:54**
